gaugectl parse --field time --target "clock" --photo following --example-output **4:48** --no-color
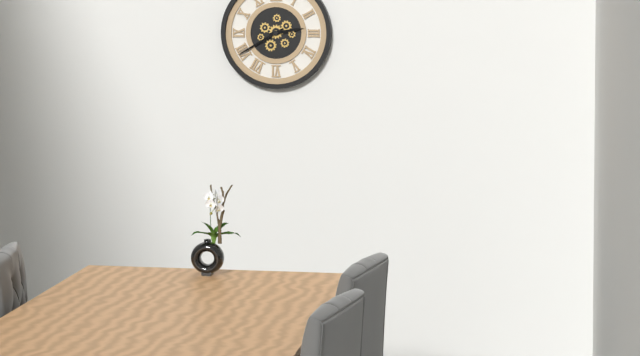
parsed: **2:40**
